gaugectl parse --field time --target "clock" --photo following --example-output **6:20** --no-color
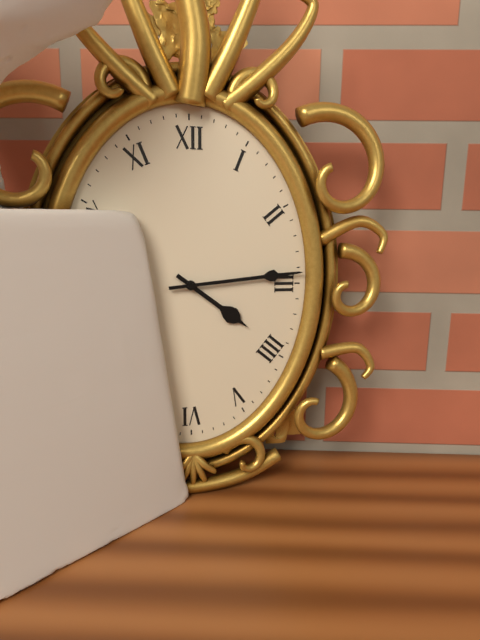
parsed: **4:14**
